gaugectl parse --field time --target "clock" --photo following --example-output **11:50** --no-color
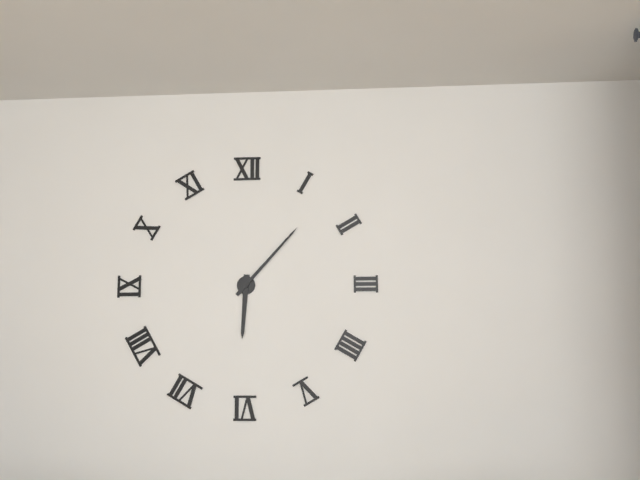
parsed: **6:07**
